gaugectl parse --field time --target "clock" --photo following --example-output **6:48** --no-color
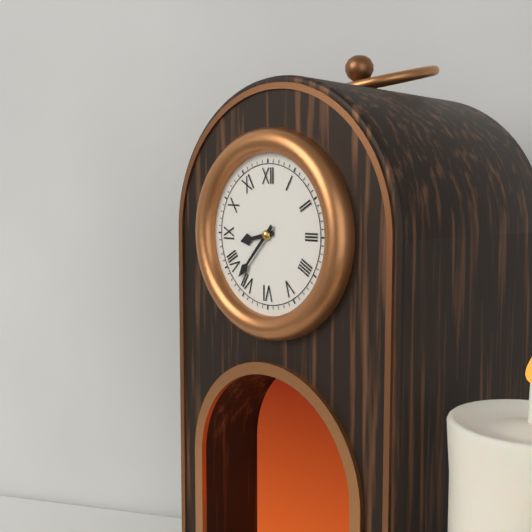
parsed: **8:37**
